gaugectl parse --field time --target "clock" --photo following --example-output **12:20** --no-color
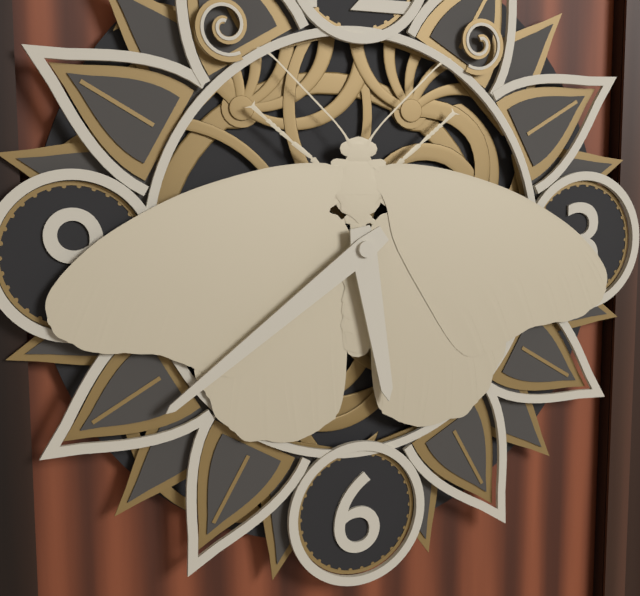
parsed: **5:39**
